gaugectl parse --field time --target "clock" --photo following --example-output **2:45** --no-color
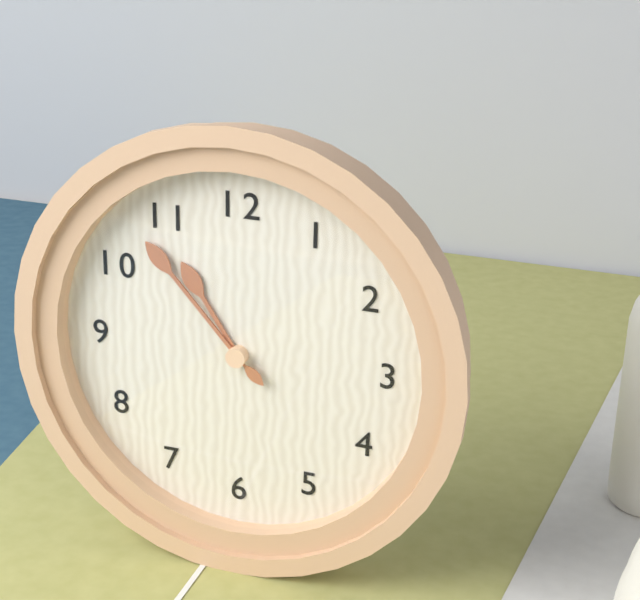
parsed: **10:53**
